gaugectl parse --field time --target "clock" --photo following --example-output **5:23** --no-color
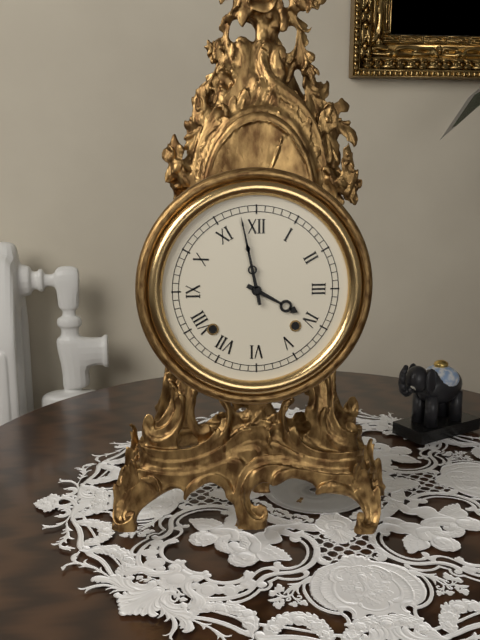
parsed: **3:58**
